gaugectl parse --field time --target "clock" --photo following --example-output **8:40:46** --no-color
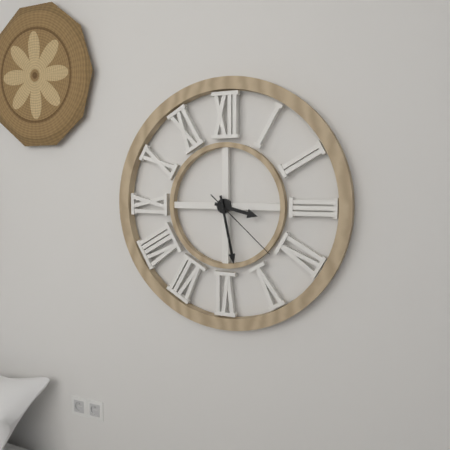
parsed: **3:28:22**
